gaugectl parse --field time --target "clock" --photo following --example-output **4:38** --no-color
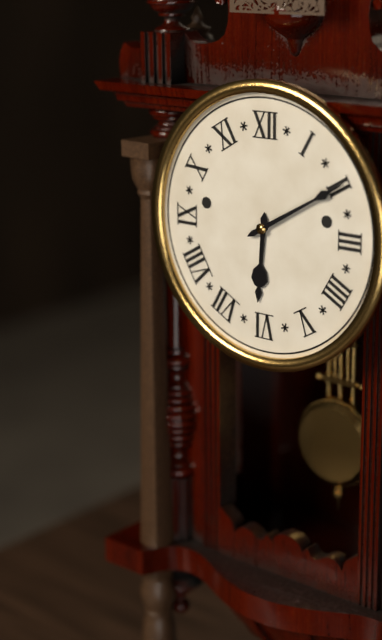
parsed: **6:10**
